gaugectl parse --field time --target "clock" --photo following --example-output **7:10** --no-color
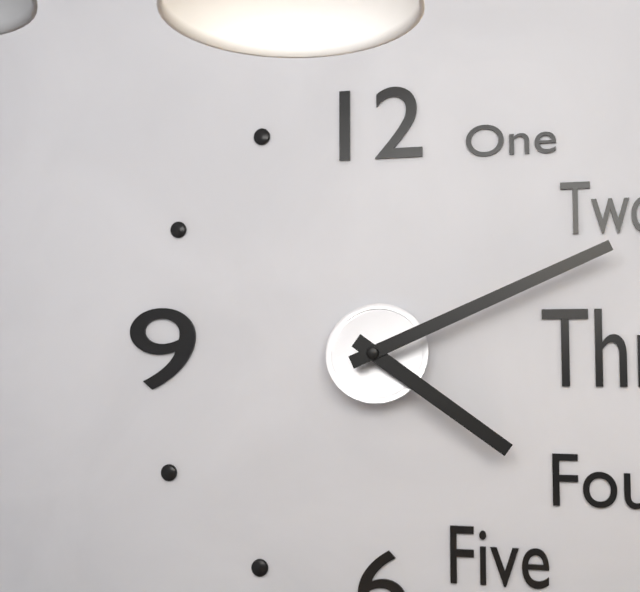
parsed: **4:11**
